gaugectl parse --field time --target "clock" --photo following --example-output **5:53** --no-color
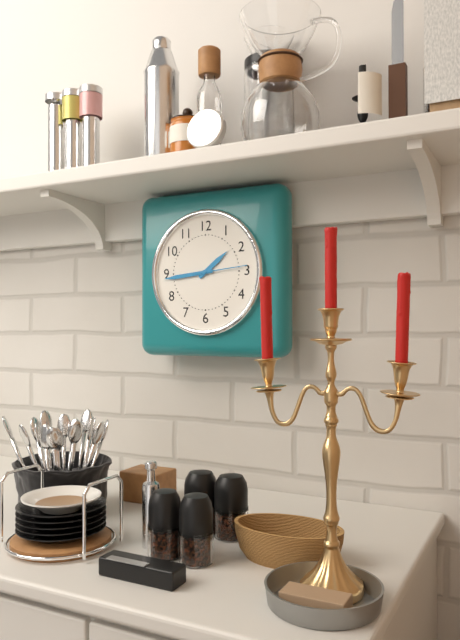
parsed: **1:44**
